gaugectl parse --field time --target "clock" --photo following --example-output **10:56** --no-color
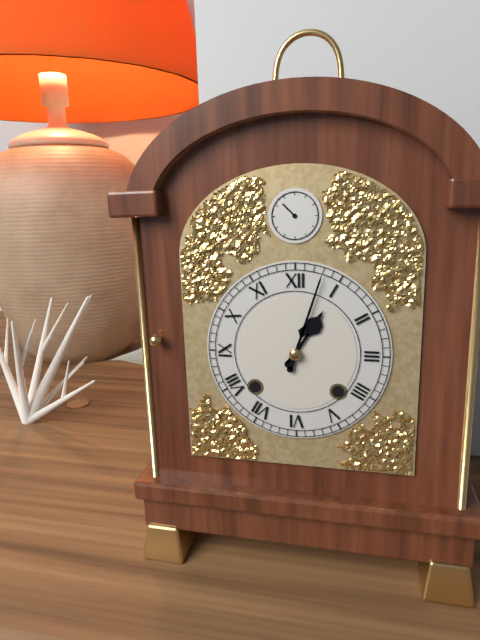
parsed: **1:03**
